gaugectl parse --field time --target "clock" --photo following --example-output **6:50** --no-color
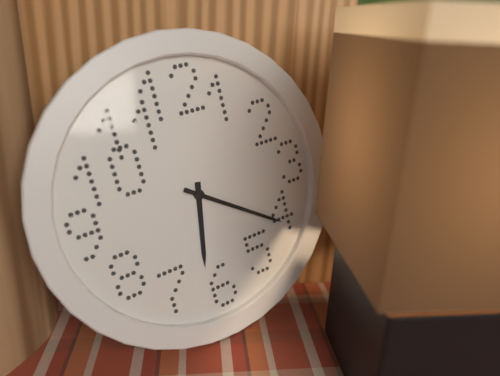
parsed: **6:21**
